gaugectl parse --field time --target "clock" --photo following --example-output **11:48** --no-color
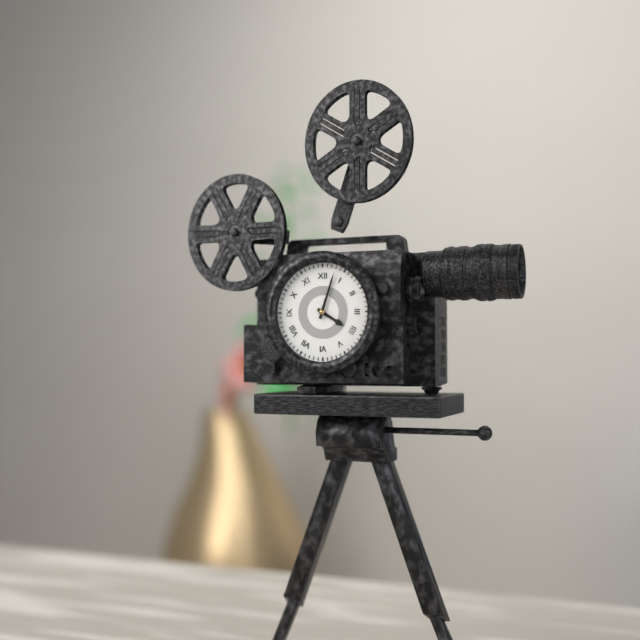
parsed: **4:03**
